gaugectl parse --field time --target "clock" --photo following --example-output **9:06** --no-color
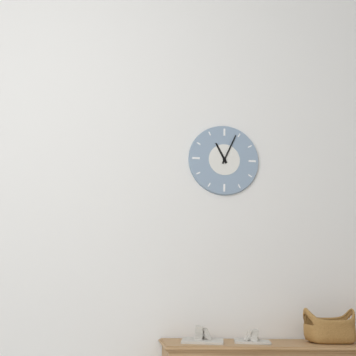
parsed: **11:04**
